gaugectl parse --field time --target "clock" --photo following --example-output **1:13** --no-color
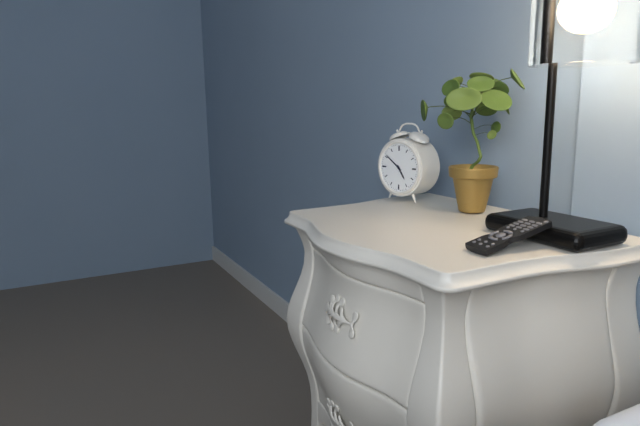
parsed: **4:51**
